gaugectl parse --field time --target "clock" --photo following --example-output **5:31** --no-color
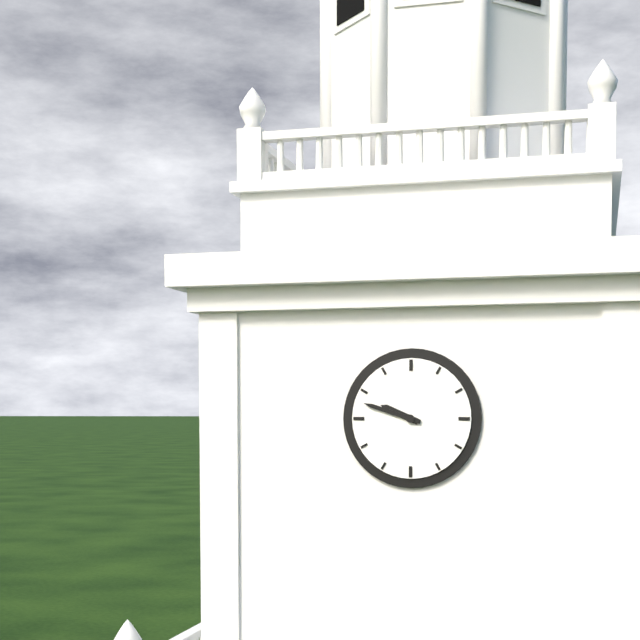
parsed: **9:48**
